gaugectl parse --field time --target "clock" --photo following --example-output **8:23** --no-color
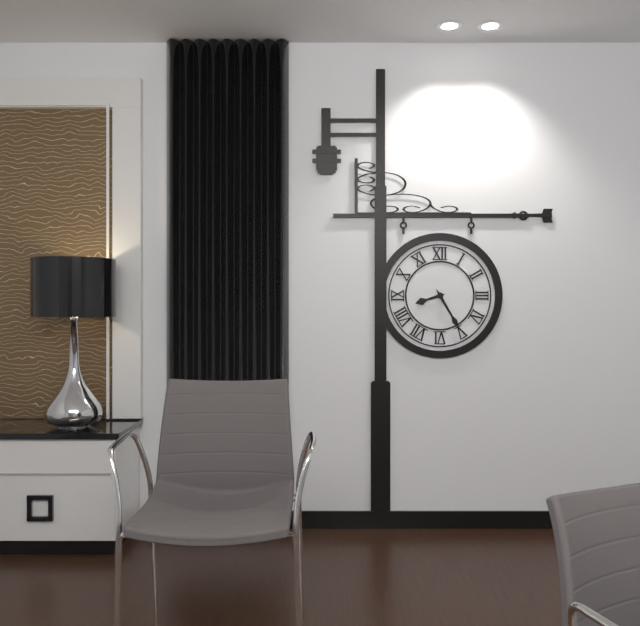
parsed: **8:25**
